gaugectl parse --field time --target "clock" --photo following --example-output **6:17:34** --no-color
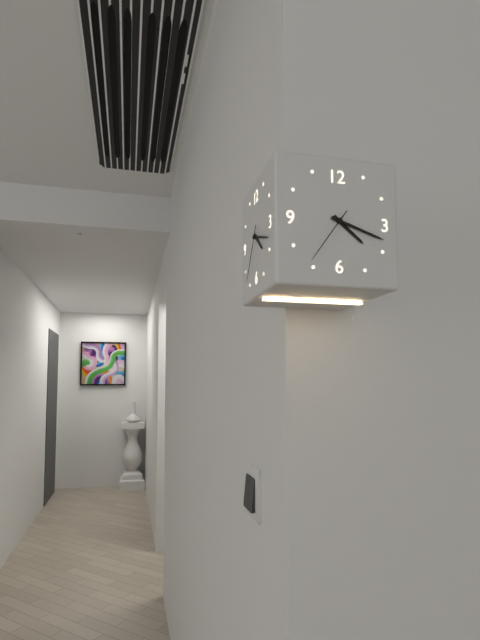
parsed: **4:18:36**
